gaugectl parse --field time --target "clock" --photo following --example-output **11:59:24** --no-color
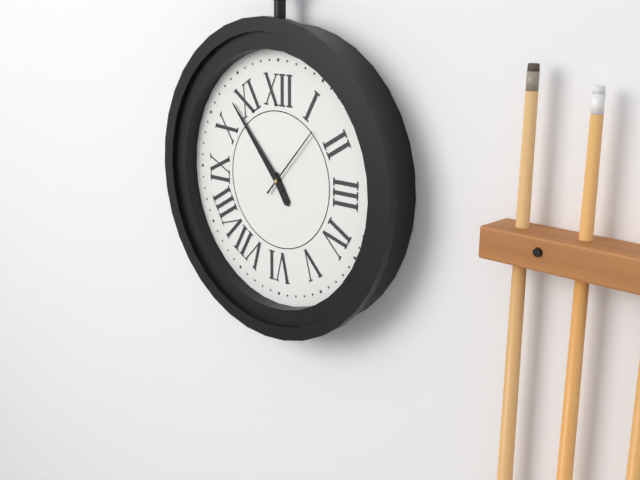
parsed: **4:53:07**
